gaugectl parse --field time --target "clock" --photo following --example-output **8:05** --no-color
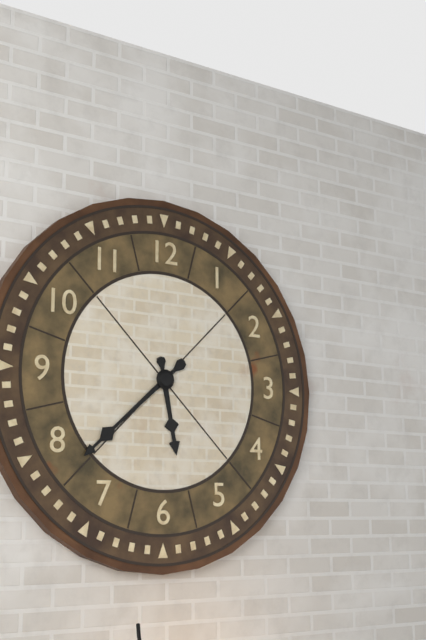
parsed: **5:38**
